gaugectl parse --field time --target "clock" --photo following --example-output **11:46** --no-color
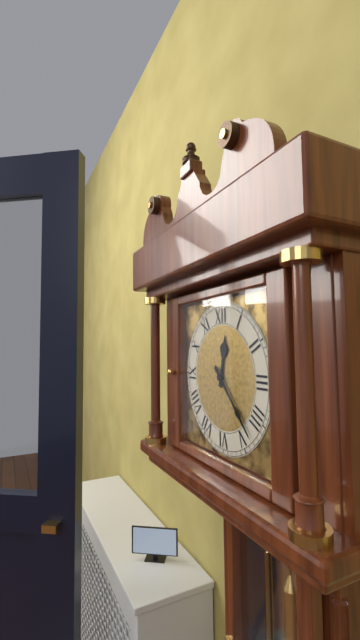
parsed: **12:23**
